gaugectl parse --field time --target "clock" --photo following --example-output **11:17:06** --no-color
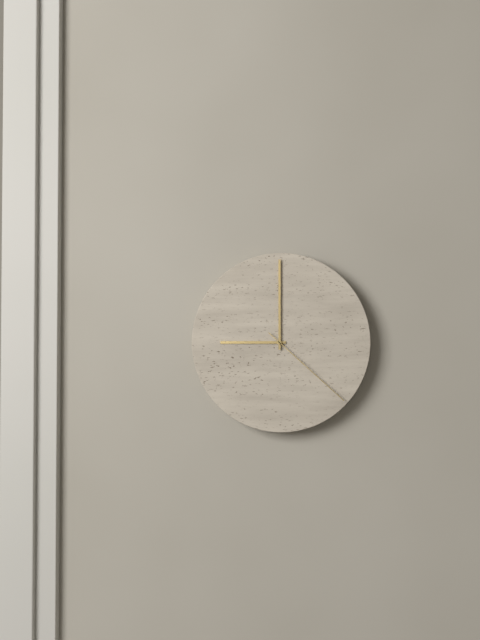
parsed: **9:00:22**
